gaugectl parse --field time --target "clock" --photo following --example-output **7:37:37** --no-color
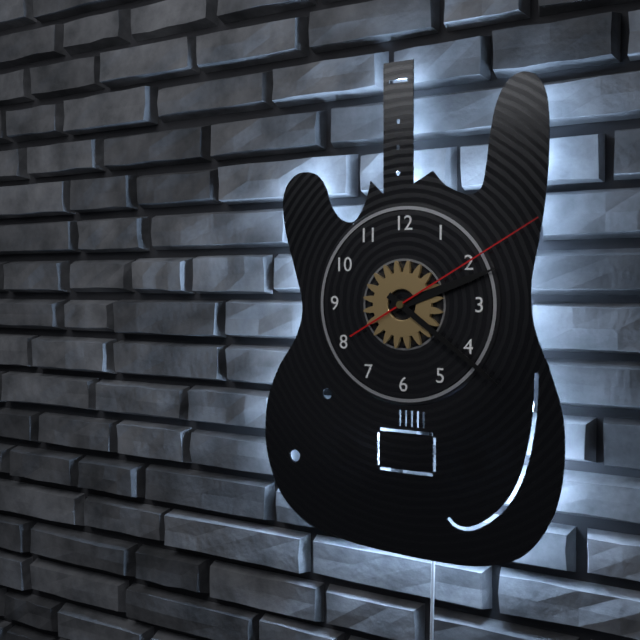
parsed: **2:21:10**
